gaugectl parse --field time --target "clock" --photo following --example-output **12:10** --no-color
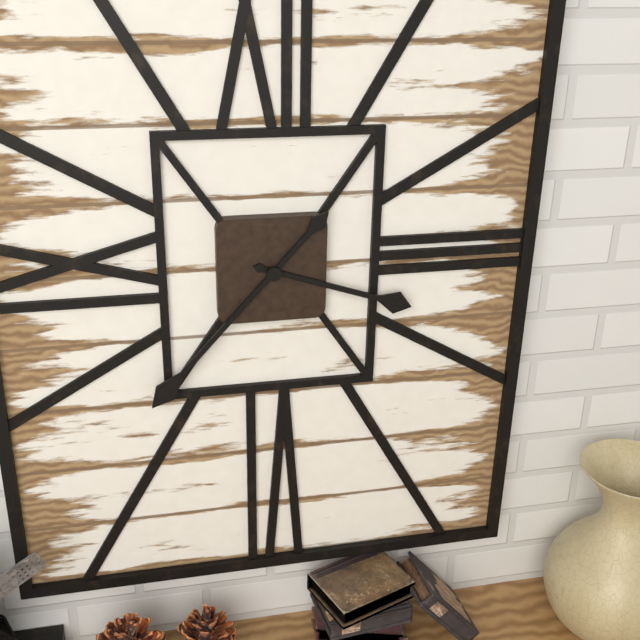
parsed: **3:37**
